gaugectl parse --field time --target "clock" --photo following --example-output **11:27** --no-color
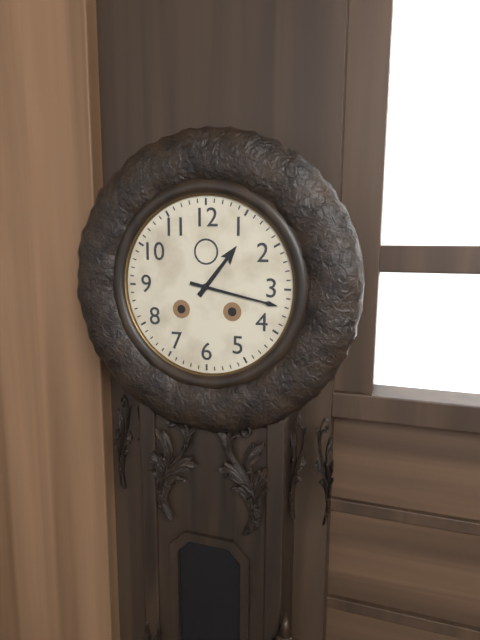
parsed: **1:17**
